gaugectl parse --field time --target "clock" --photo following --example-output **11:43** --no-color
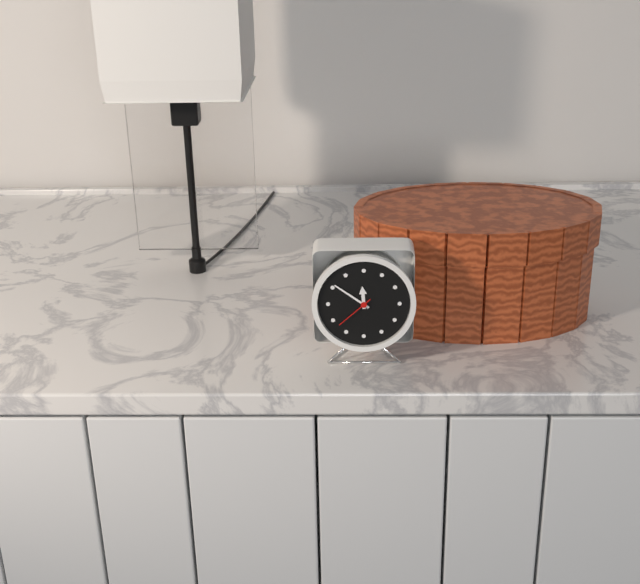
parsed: **11:51**
